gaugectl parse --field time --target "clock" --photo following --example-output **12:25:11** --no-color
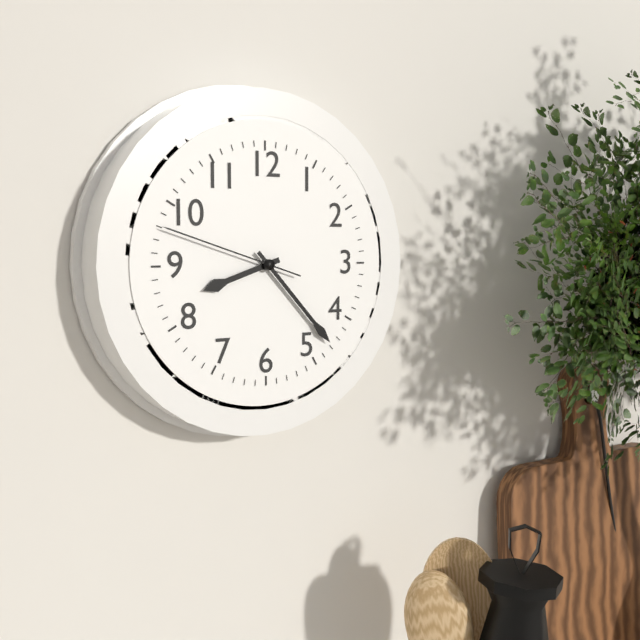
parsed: **8:23:48**
